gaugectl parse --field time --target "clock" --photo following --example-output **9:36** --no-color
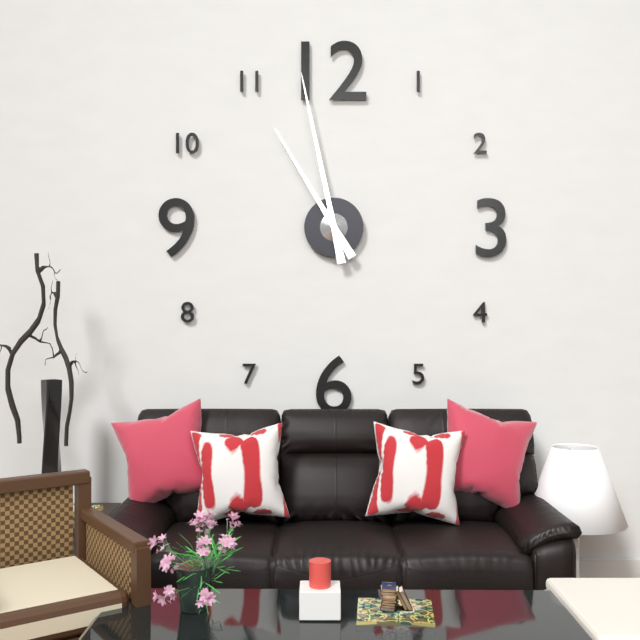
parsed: **10:58**
